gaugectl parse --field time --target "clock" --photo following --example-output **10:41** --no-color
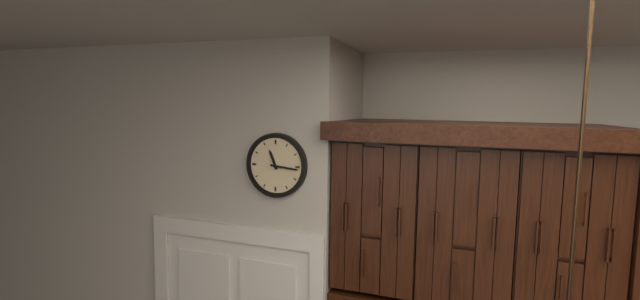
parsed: **11:16**
